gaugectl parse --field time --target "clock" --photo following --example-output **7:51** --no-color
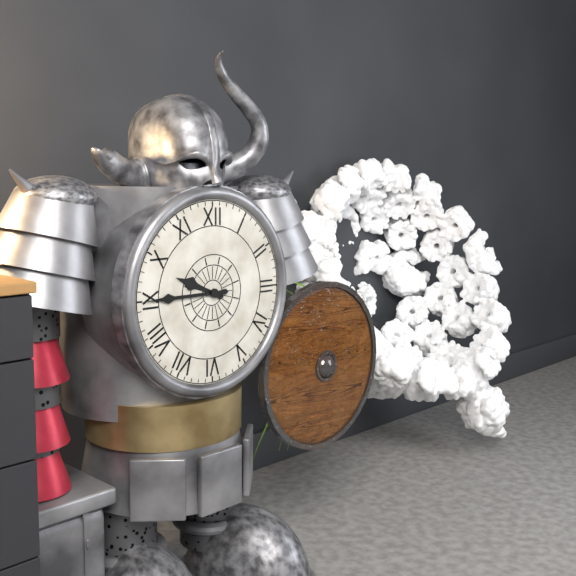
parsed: **9:45**
